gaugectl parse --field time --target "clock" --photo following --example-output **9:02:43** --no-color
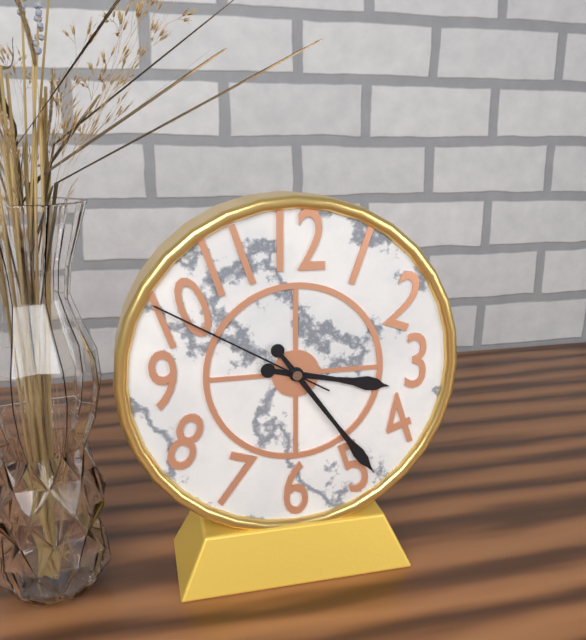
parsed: **3:24:50**
